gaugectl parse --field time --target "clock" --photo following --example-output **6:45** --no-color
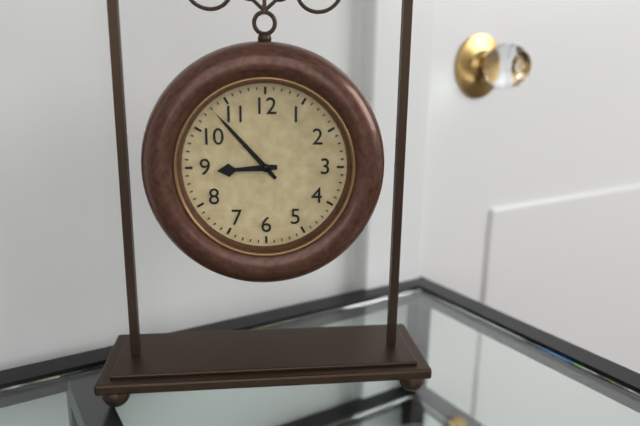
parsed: **8:53**
